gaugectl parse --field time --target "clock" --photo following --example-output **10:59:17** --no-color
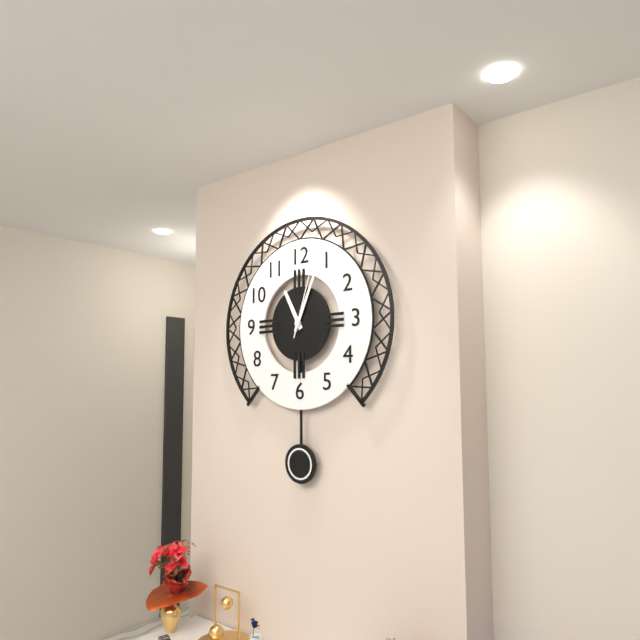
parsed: **11:04:03**
